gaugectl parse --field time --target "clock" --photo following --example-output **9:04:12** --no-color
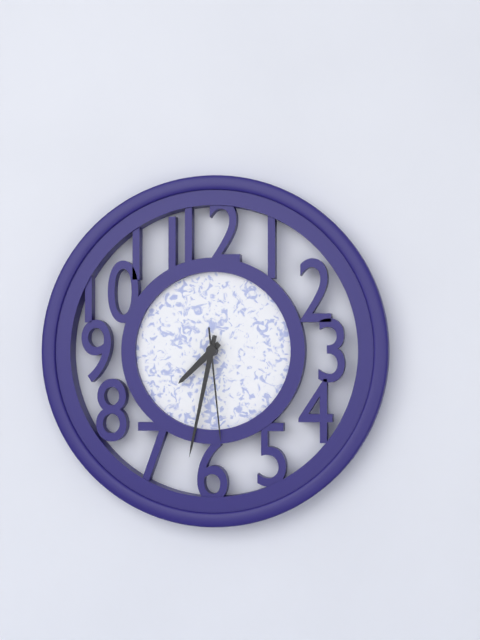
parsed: **7:32:29**
